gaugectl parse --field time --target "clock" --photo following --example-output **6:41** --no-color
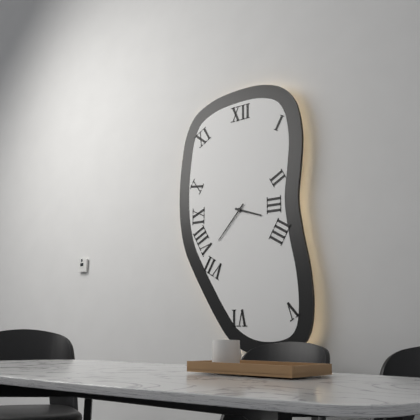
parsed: **3:37**
